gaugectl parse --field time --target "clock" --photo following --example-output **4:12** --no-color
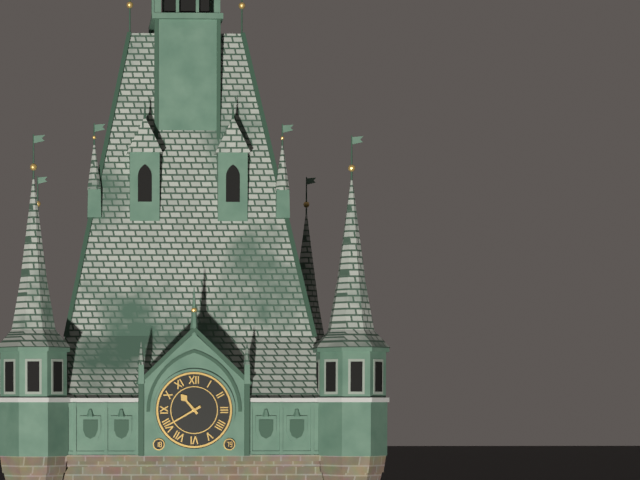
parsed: **10:40**
